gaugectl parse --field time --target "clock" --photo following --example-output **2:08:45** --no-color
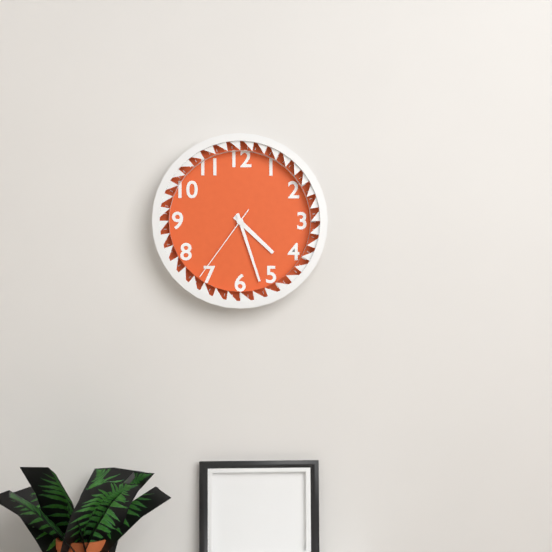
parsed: **4:27:36**
